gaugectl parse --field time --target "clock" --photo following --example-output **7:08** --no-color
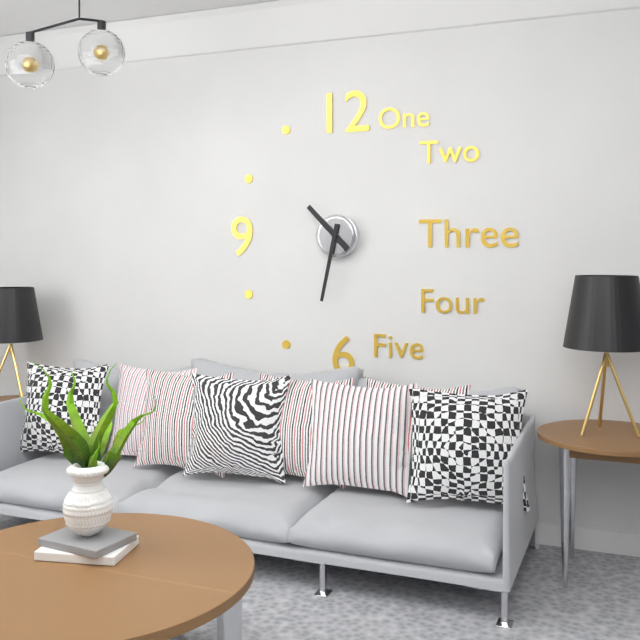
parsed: **10:32**
